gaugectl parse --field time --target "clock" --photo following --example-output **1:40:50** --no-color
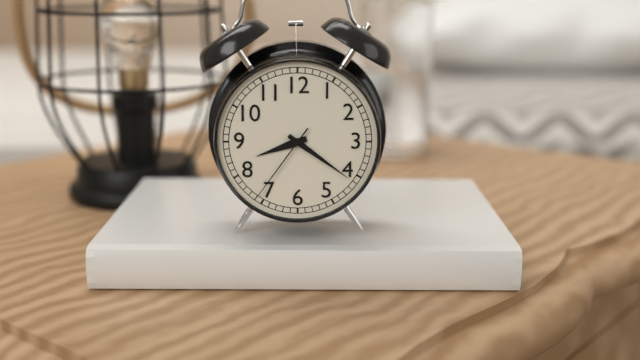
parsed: **8:21:36**
